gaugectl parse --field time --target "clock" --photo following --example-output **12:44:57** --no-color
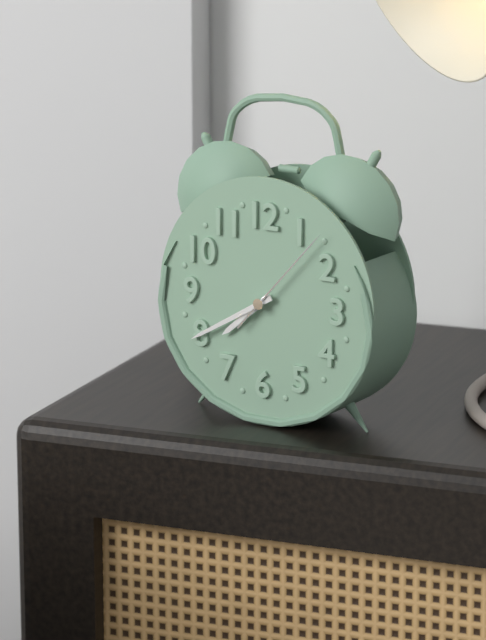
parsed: **7:40:07**
